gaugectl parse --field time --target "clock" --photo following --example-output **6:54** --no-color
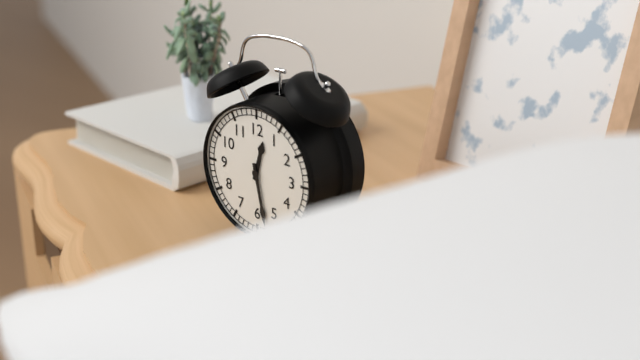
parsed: **12:28**
